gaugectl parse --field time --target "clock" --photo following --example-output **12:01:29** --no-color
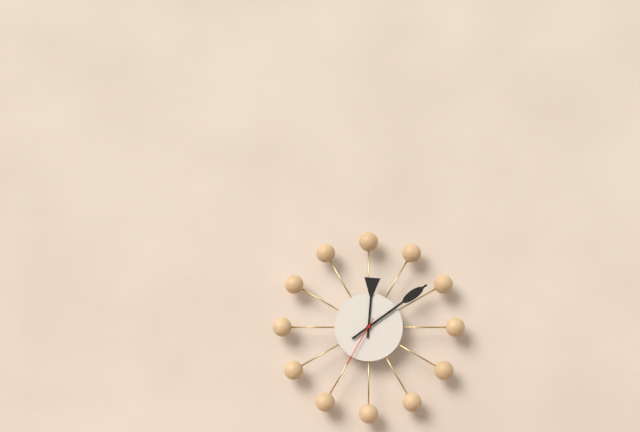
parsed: **12:09:35**
